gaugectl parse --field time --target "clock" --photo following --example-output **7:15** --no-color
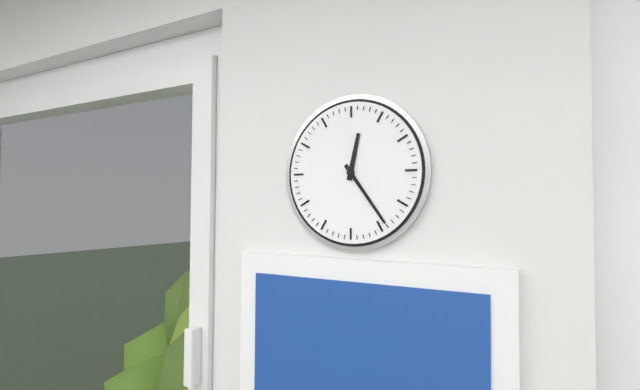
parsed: **12:24**
